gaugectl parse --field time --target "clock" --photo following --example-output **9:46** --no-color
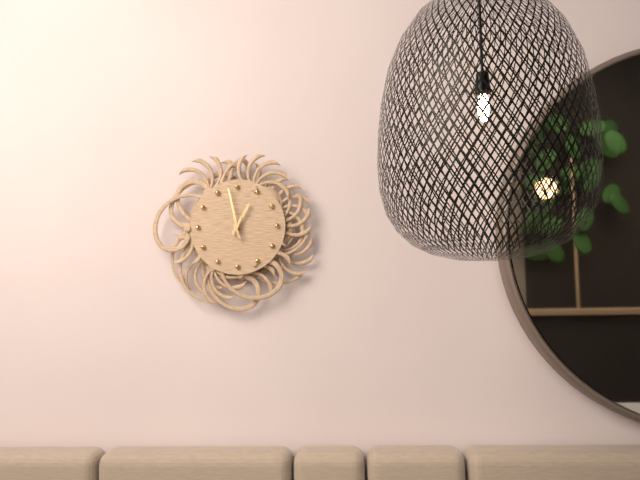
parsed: **12:58**
